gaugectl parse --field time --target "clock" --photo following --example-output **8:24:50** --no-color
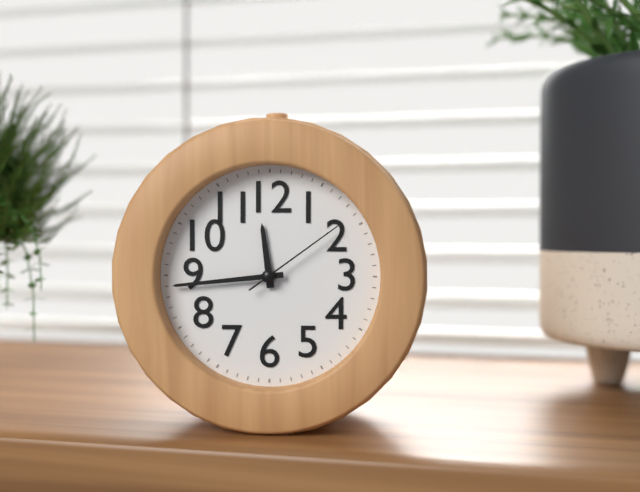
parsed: **11:44:09**
